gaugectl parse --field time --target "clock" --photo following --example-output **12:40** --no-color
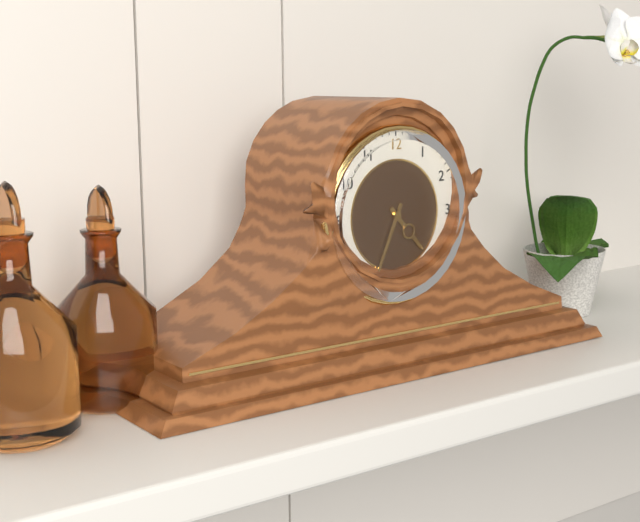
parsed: **4:34**
